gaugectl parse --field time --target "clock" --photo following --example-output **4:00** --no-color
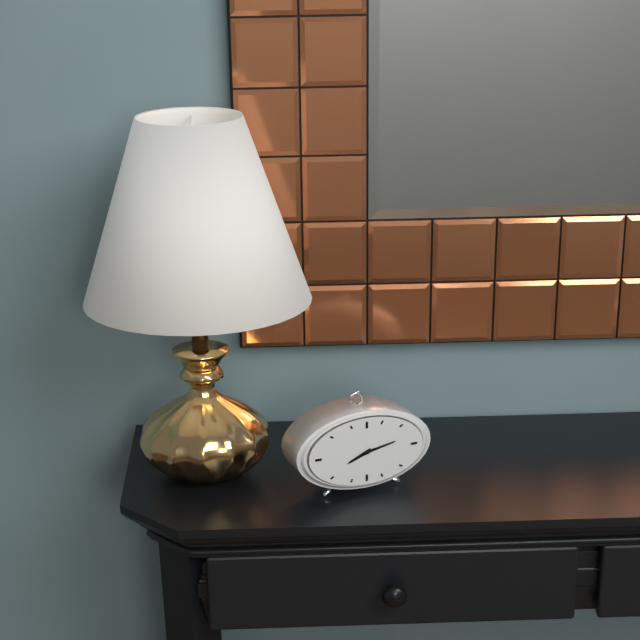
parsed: **8:13**
